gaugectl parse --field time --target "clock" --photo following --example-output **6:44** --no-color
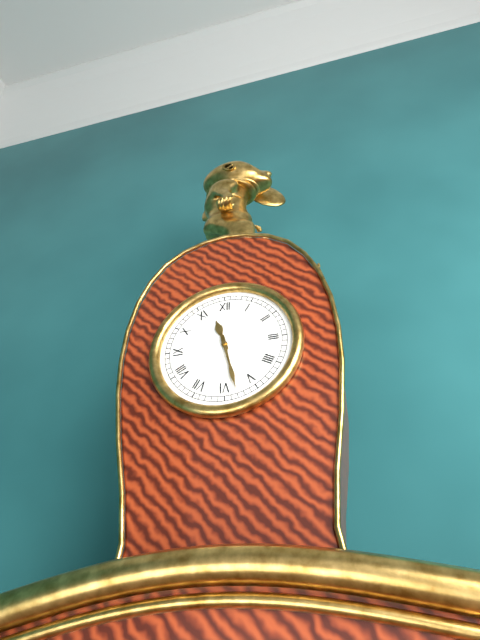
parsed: **11:28**
